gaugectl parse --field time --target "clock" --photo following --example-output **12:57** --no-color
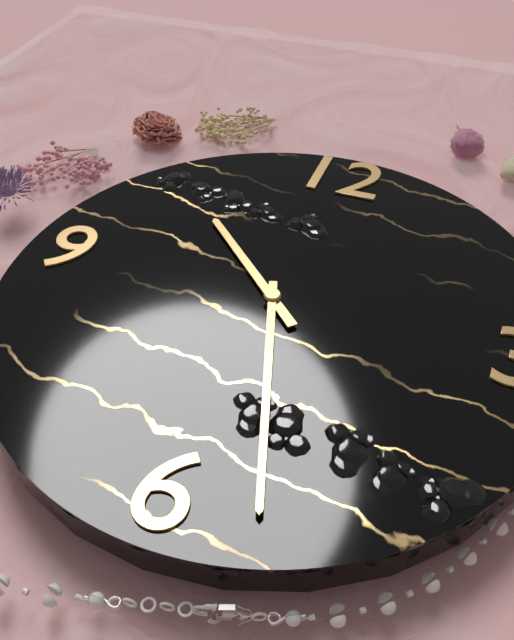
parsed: **10:27**
